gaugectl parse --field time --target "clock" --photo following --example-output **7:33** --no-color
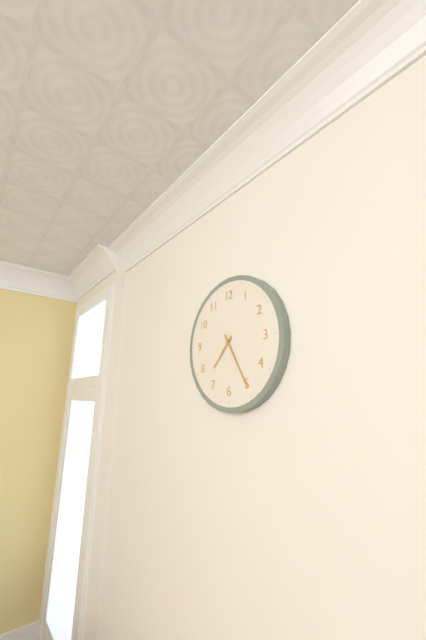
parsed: **7:25**
